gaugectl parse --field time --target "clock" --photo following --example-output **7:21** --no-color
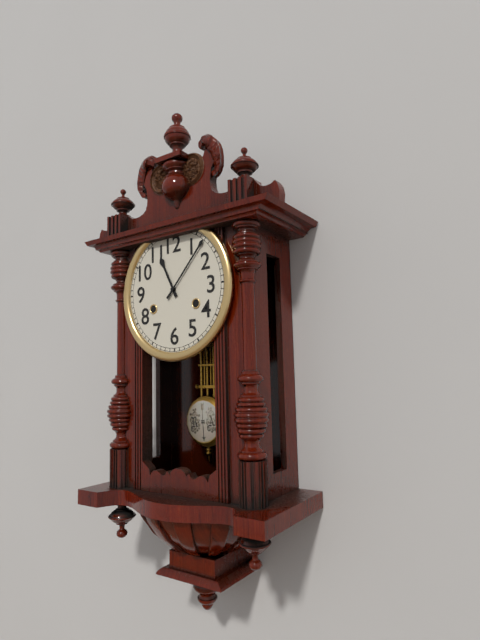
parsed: **11:07**
